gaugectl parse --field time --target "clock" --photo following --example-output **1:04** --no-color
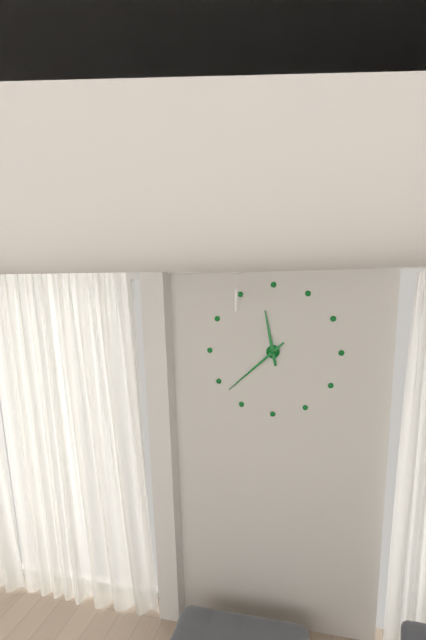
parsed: **11:38**
